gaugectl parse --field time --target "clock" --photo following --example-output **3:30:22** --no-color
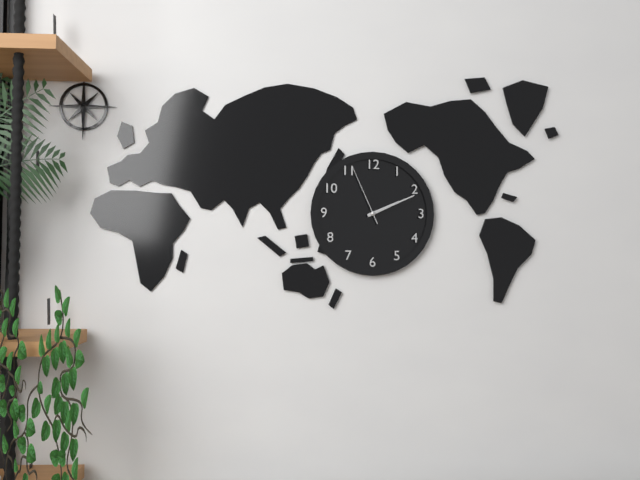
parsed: **2:11:56**
